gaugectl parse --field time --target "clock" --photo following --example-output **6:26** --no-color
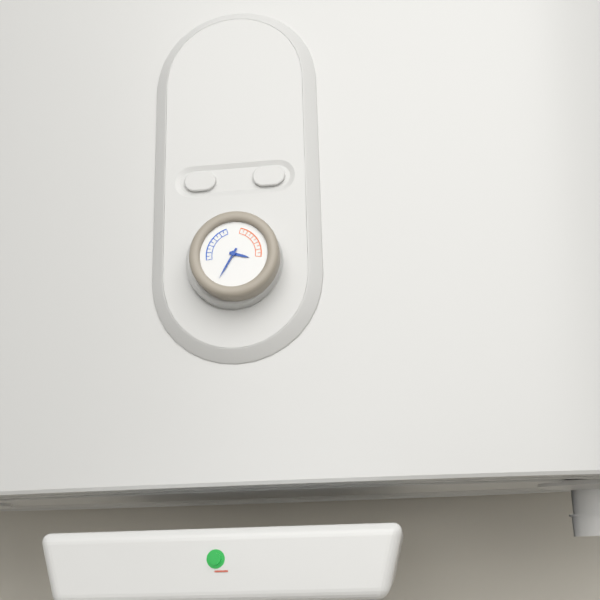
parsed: **3:35**
